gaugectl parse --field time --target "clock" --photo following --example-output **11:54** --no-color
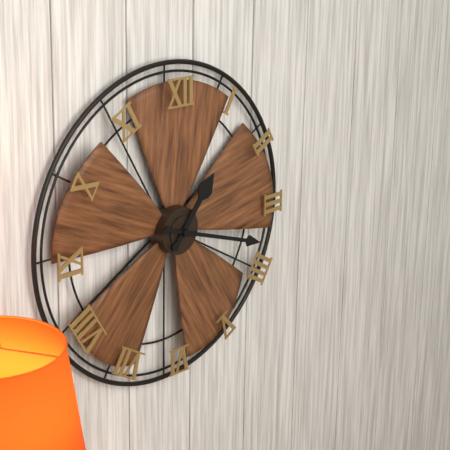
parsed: **1:18**
